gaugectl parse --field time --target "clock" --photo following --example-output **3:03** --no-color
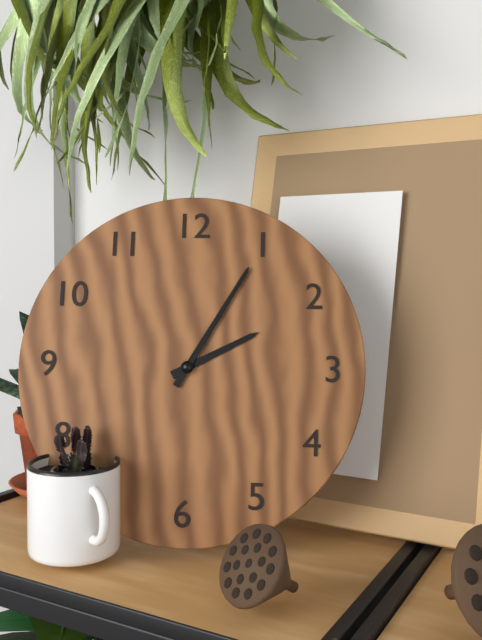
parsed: **2:05**
